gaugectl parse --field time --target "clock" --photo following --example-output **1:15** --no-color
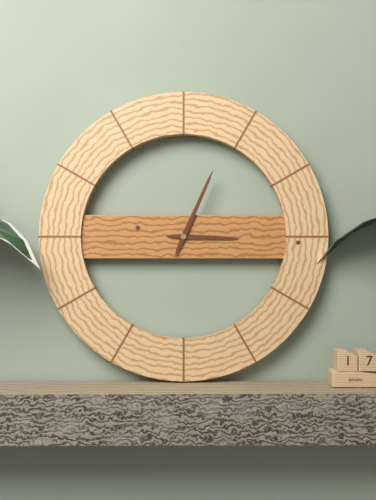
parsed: **3:04**
